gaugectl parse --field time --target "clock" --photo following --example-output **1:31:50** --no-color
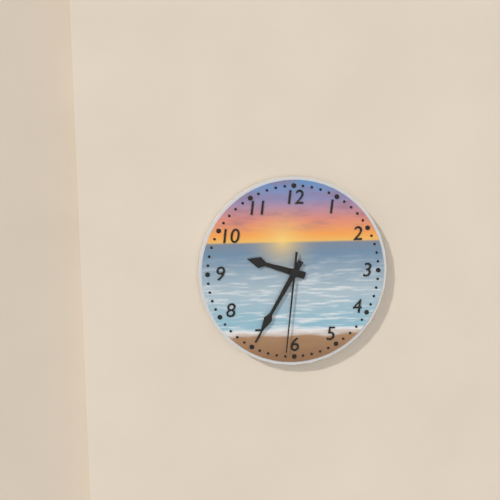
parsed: **9:35:31**
